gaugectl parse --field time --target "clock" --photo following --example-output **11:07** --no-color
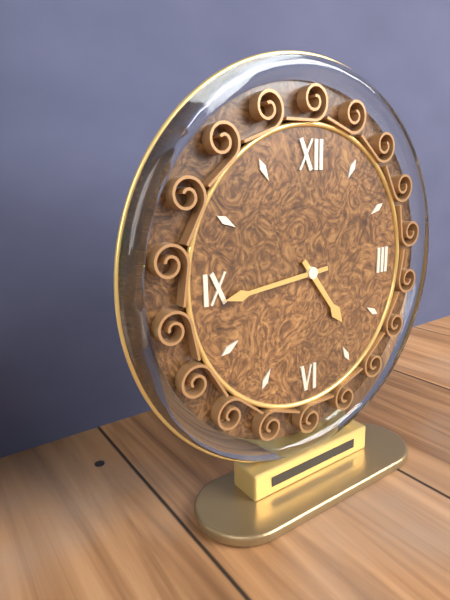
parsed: **4:44**
